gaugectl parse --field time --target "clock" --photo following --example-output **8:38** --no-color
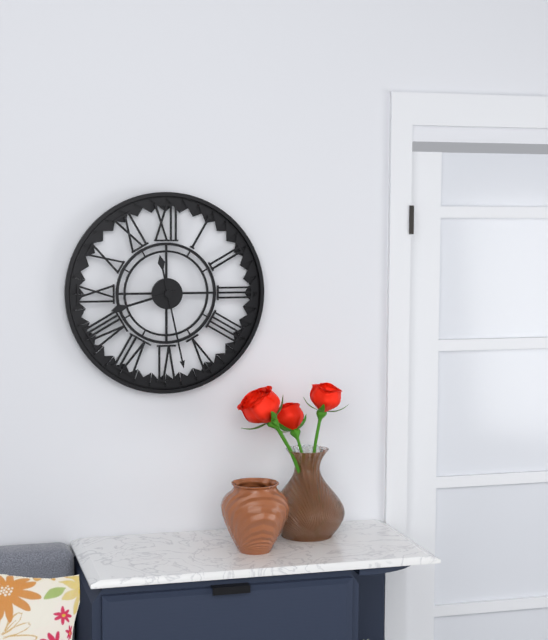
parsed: **8:28**
